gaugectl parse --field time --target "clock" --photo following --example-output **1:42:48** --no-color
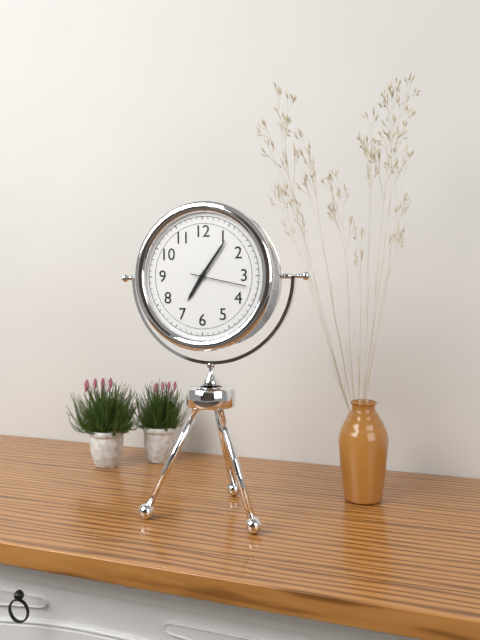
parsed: **7:06:17**
